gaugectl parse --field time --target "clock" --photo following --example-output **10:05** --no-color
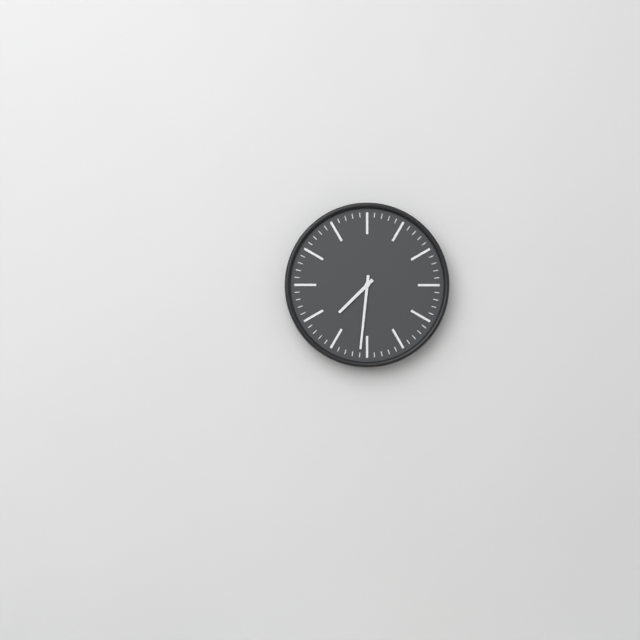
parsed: **7:31**
